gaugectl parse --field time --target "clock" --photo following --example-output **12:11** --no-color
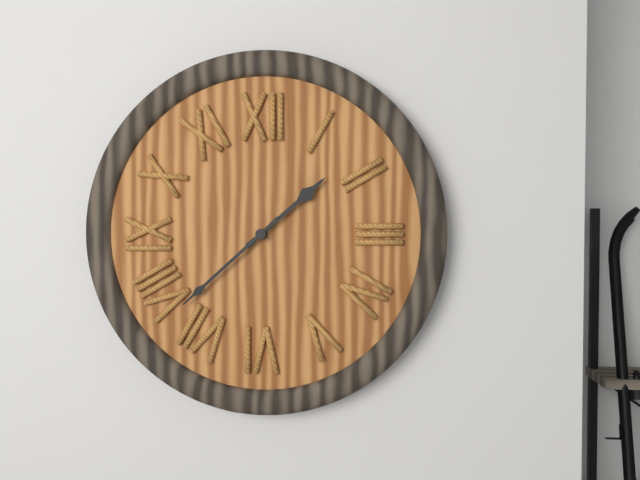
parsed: **1:38**
